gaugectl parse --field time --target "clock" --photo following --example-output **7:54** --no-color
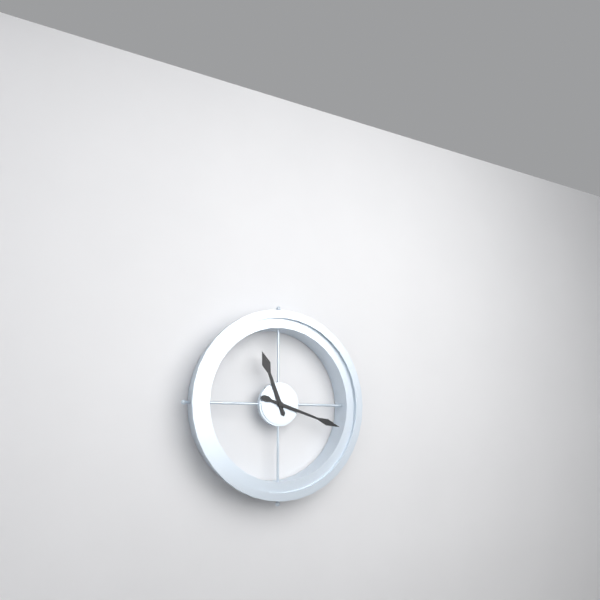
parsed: **11:18**
